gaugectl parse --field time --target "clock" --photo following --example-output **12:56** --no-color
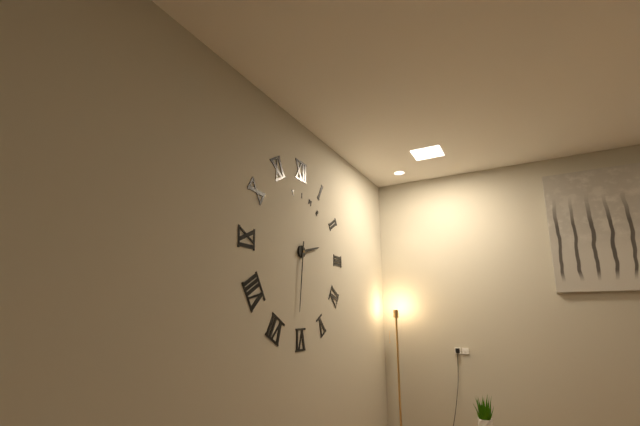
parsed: **2:31**
